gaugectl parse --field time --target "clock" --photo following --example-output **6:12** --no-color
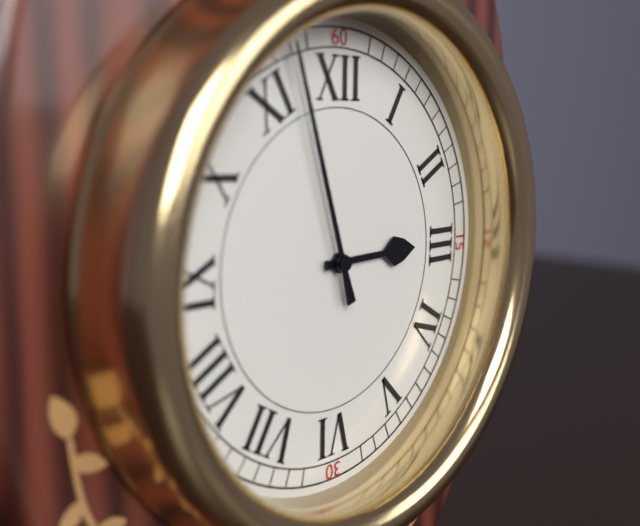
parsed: **2:57**
